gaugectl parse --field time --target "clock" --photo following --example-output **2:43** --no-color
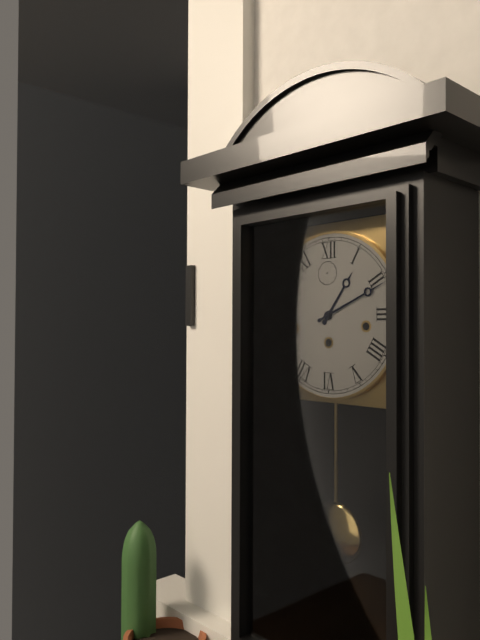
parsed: **1:11**
